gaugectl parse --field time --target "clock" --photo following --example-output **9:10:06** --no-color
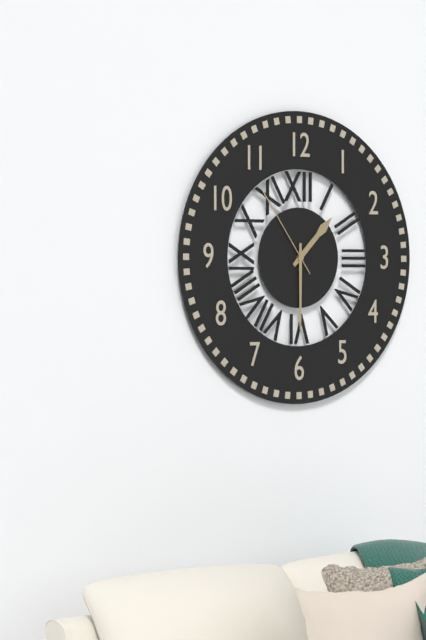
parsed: **1:30:54**
